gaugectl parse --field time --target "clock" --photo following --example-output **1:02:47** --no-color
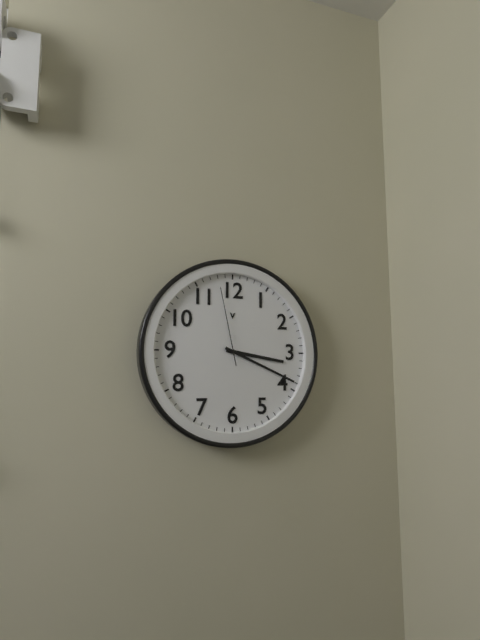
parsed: **3:19:58**
